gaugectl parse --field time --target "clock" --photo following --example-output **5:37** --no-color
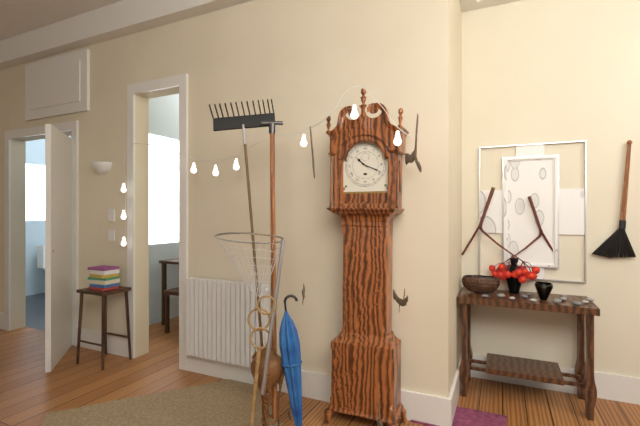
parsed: **10:19**
